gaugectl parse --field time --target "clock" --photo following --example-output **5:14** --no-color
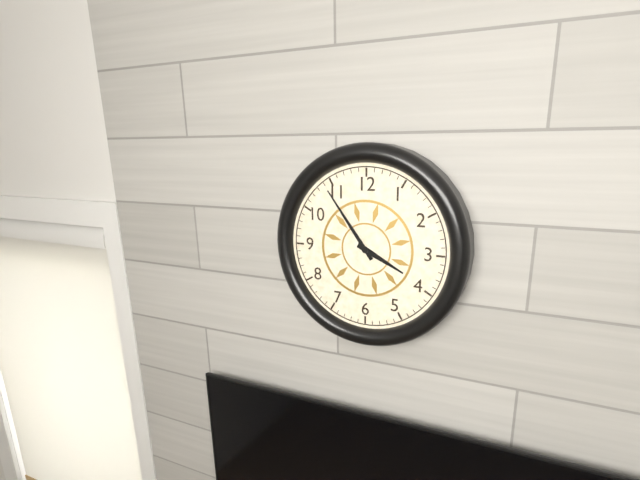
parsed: **3:54**
